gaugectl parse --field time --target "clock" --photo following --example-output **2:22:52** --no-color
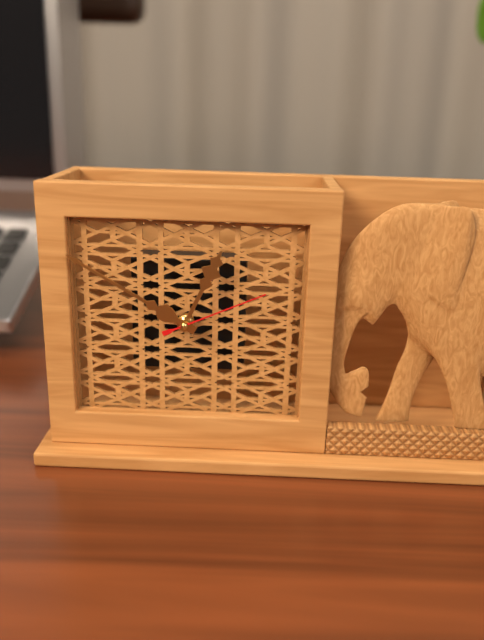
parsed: **12:50:11**
